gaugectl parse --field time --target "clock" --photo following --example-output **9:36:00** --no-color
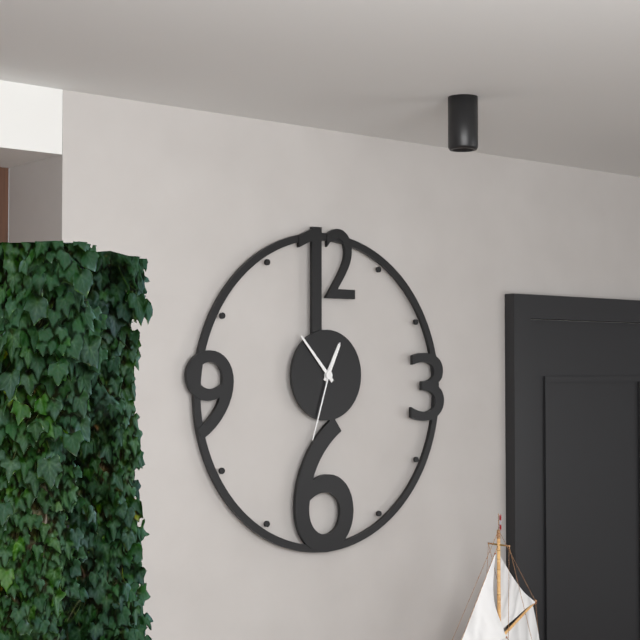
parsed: **12:53:33**
